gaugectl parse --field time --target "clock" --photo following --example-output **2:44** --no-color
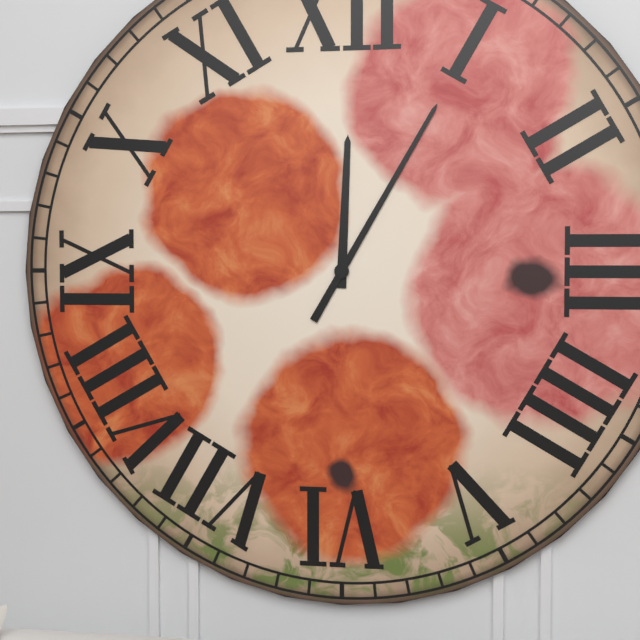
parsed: **12:05**
